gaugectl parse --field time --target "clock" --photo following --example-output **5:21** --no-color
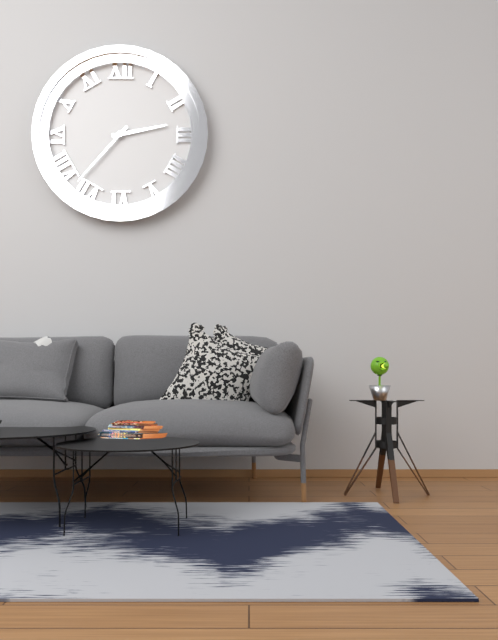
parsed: **2:37**
